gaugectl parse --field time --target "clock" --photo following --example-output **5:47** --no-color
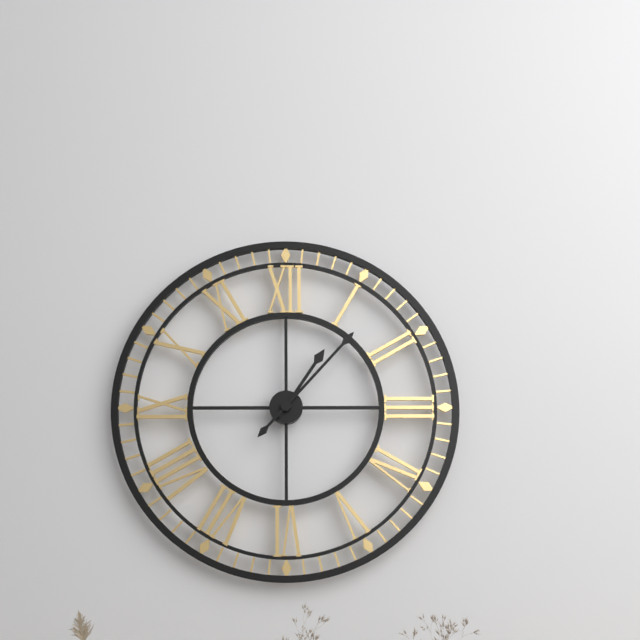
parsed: **1:07**
